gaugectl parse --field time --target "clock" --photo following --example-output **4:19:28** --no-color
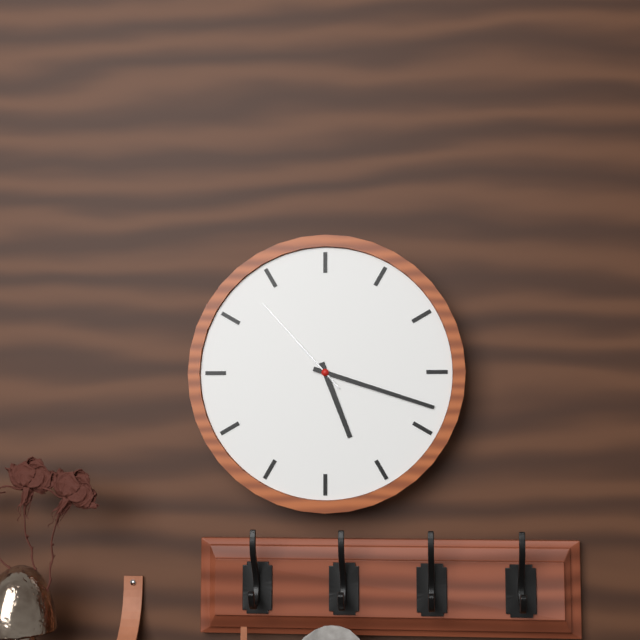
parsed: **5:18:53**
